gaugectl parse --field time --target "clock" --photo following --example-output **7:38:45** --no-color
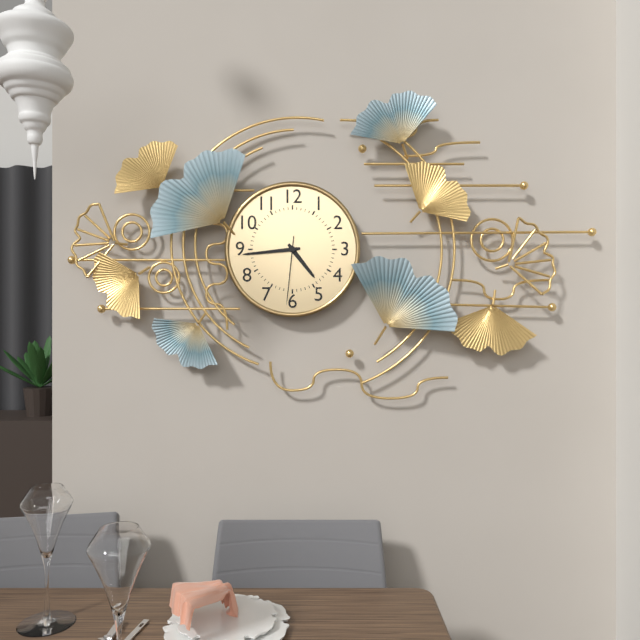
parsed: **4:44:31**
